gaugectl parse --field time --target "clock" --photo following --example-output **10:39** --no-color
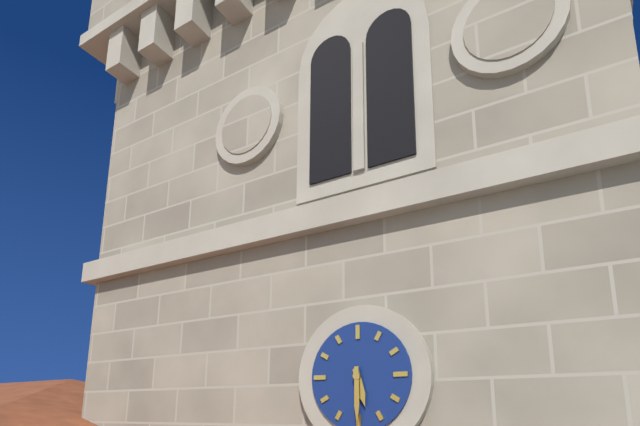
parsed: **5:30**
